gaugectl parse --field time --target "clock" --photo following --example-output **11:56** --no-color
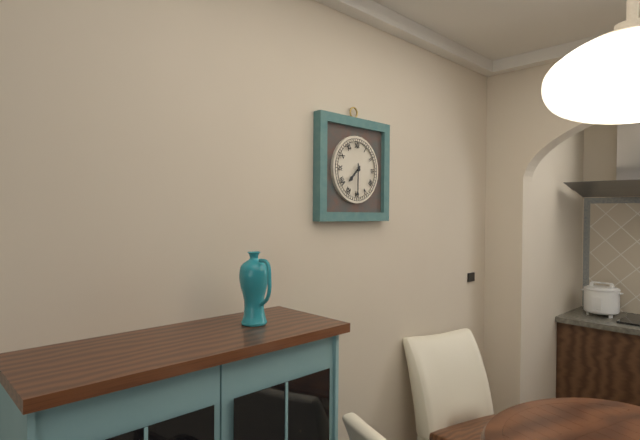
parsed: **7:30**
